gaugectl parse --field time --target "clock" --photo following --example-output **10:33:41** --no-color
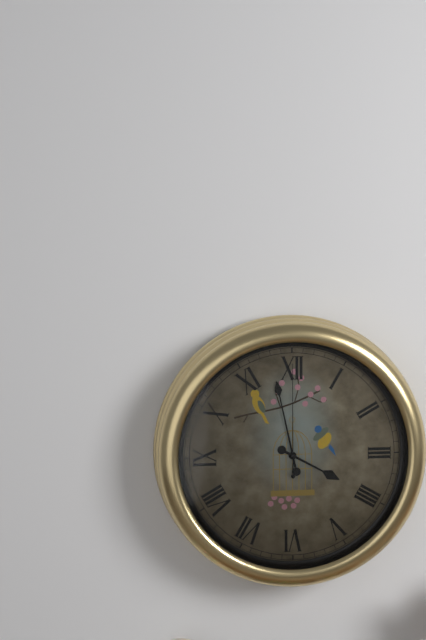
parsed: **3:58:00**
